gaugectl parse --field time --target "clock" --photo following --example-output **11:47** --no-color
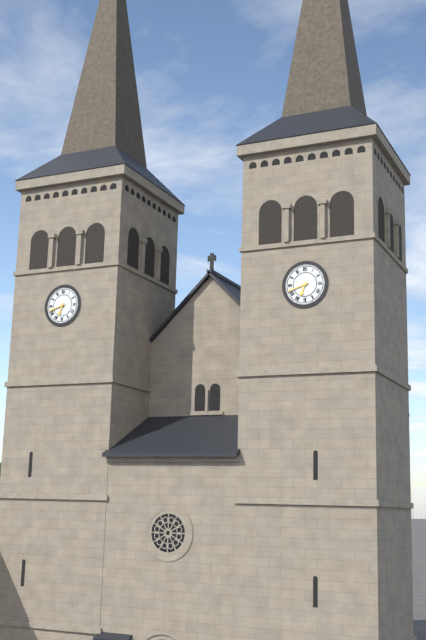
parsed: **6:42**
